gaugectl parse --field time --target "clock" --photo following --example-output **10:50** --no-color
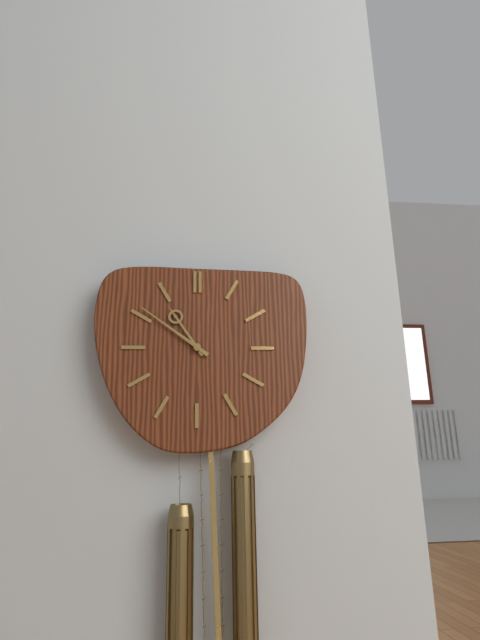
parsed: **10:51**
